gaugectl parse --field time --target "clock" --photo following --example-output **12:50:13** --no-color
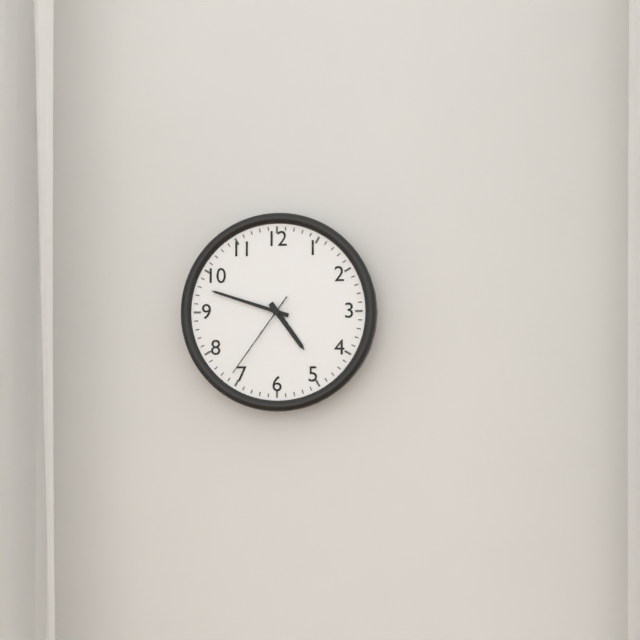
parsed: **4:48:36**
